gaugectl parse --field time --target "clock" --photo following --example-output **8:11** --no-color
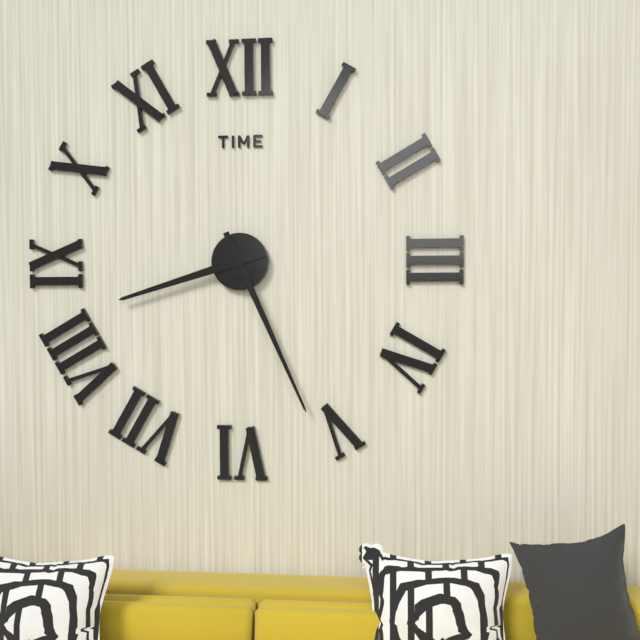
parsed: **8:26**
